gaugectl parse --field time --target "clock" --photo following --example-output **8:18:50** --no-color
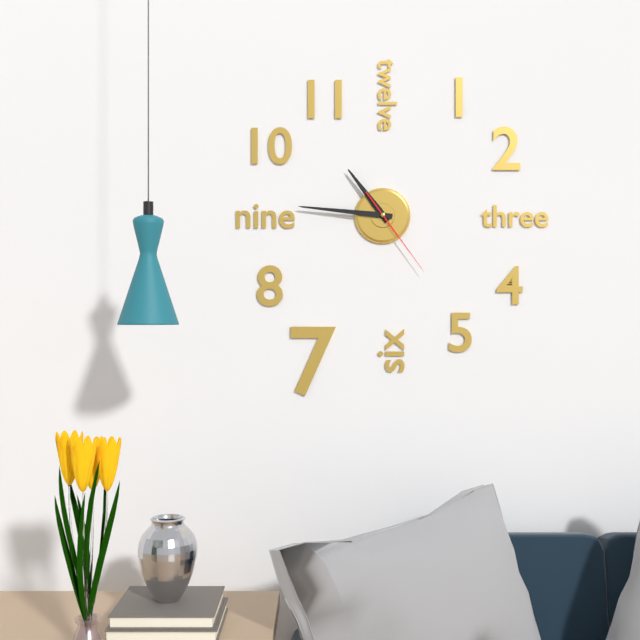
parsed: **10:46:24**
